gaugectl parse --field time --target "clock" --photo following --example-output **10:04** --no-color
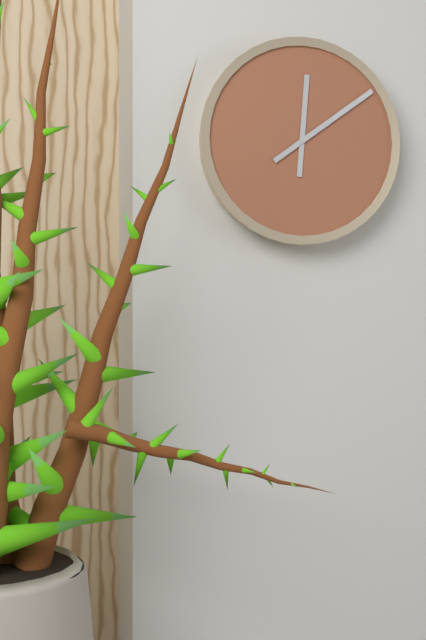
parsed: **12:09**
